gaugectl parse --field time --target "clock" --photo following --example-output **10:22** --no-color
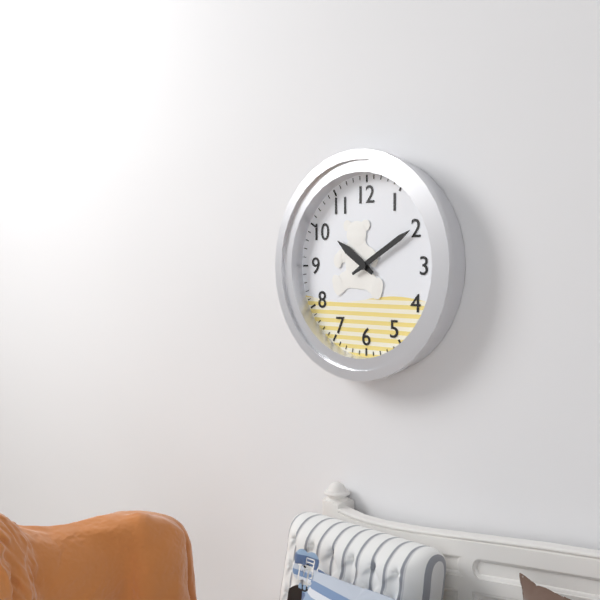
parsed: **10:10**
